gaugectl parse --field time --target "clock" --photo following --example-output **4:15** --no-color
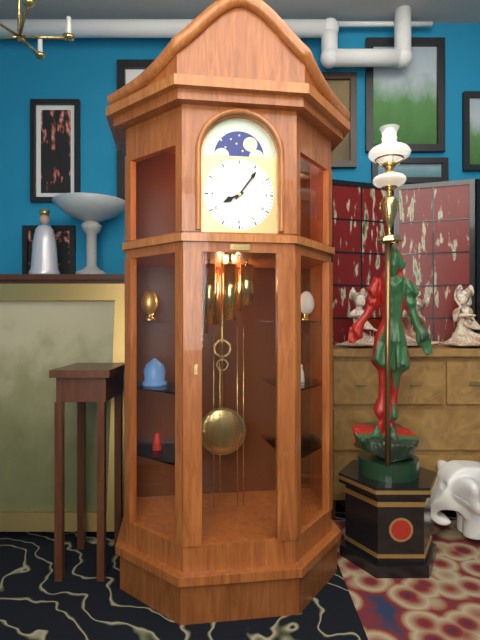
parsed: **8:06**
